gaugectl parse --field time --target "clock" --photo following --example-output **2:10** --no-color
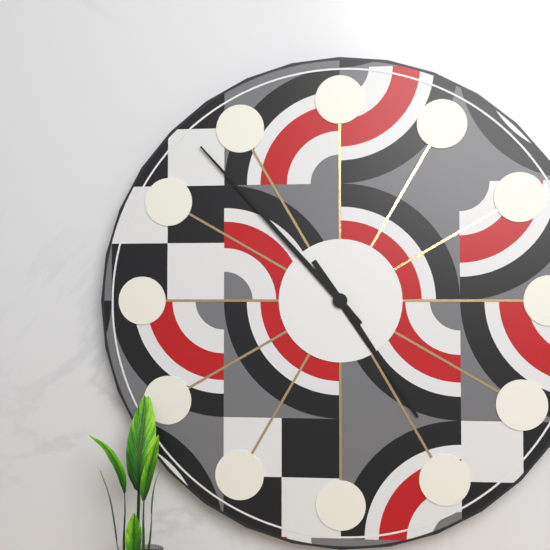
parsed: **4:53**
